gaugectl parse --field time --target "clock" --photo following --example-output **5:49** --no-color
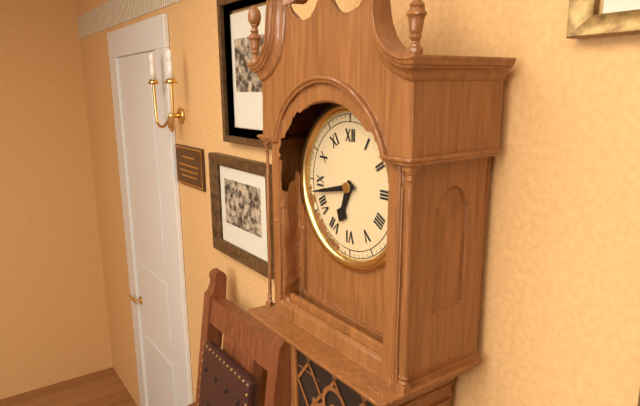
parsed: **6:43**
